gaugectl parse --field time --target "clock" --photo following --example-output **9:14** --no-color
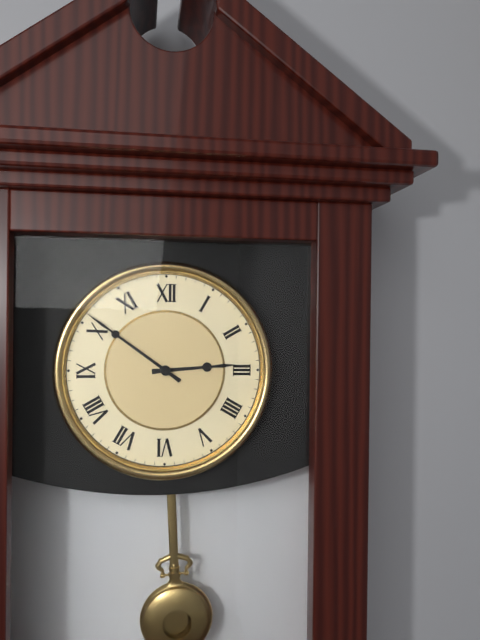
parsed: **2:51**
